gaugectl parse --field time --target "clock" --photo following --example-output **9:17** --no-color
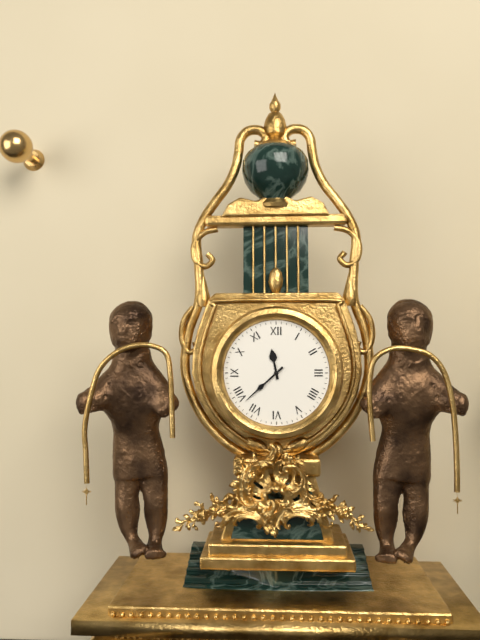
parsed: **11:38**
